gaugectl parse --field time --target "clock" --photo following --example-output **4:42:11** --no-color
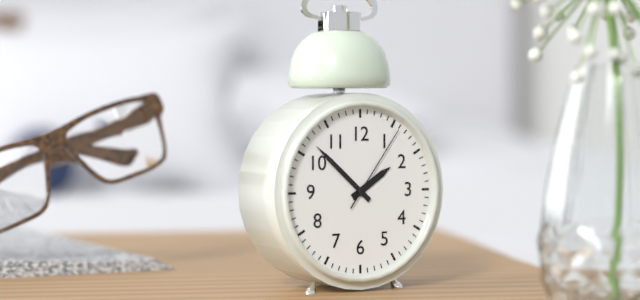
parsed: **1:52:06**
